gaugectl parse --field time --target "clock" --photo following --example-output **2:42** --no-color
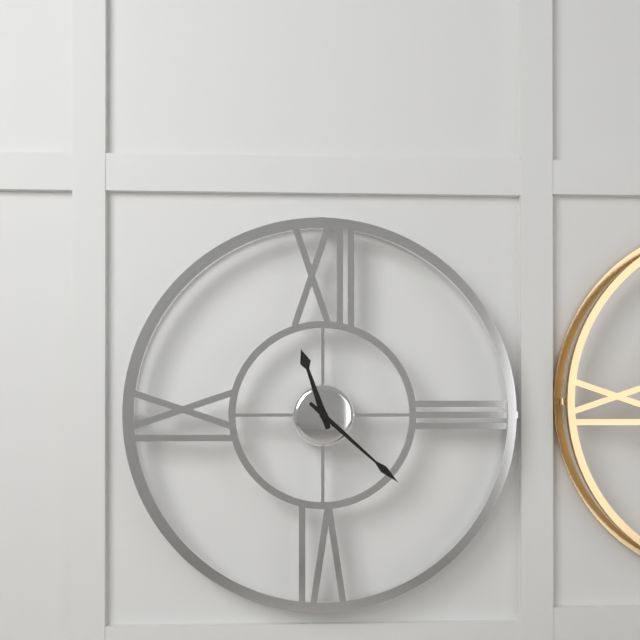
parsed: **11:22**
